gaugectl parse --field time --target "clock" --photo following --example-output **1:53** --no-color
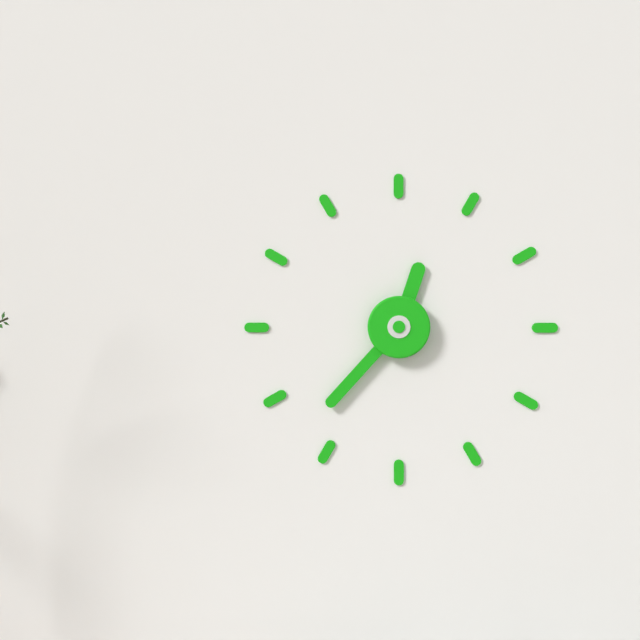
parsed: **12:37**
